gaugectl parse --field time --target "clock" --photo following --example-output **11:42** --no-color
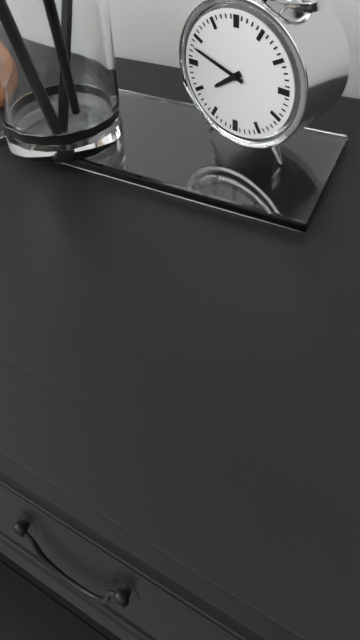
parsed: **7:48**
